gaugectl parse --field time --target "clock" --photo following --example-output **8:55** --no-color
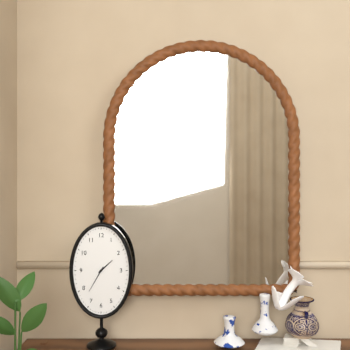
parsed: **1:35**
